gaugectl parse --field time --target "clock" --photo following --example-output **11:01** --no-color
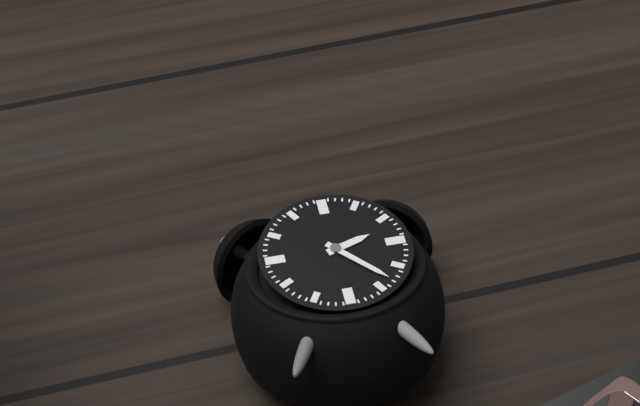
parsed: **2:23**
